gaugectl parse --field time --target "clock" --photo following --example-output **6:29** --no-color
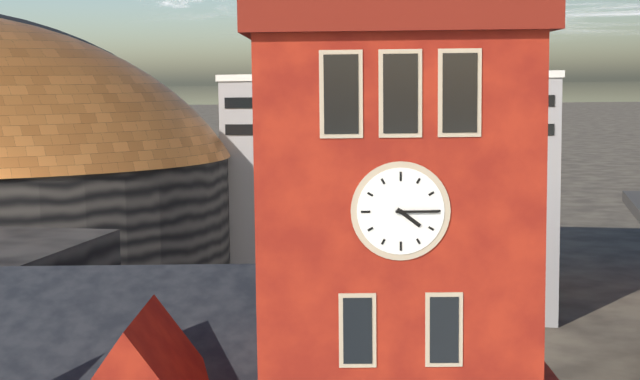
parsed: **4:15**
